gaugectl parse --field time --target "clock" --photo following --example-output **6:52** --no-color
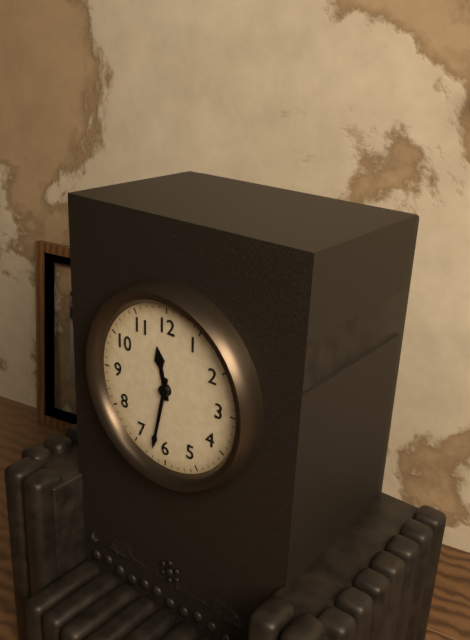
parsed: **11:32**
